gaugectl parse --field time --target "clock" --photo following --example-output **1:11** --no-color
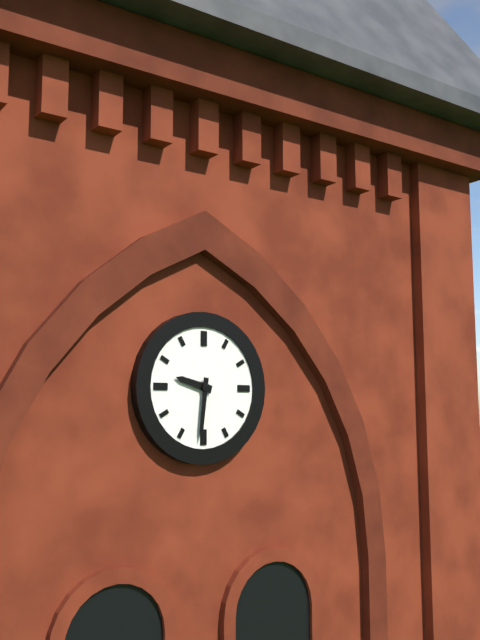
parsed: **9:31**
